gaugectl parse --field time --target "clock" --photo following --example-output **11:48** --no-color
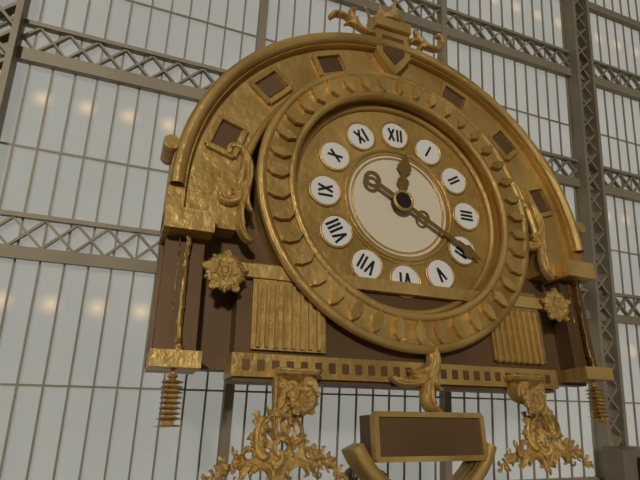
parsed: **12:20**
